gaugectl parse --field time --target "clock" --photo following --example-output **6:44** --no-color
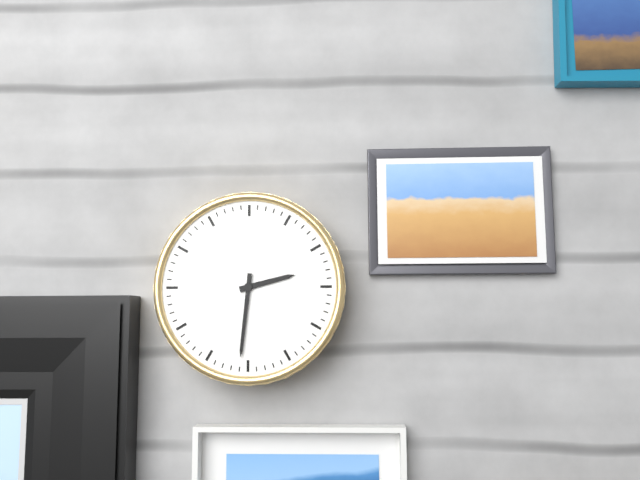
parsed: **2:31**
